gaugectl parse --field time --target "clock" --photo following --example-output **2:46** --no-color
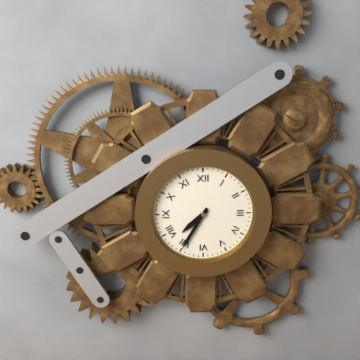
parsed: **7:35**
